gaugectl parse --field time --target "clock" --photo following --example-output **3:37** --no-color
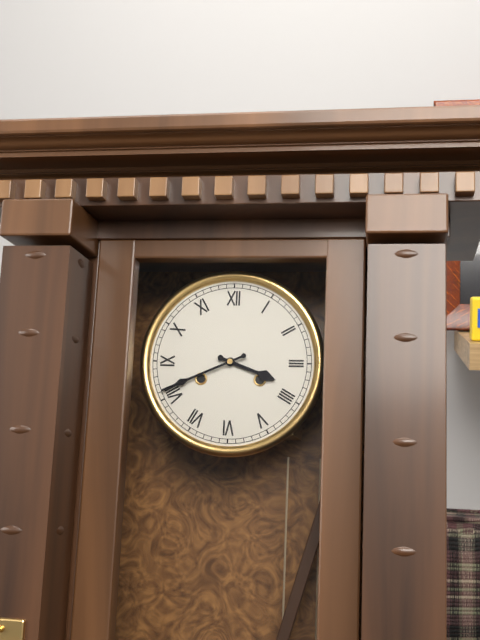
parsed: **3:41**
